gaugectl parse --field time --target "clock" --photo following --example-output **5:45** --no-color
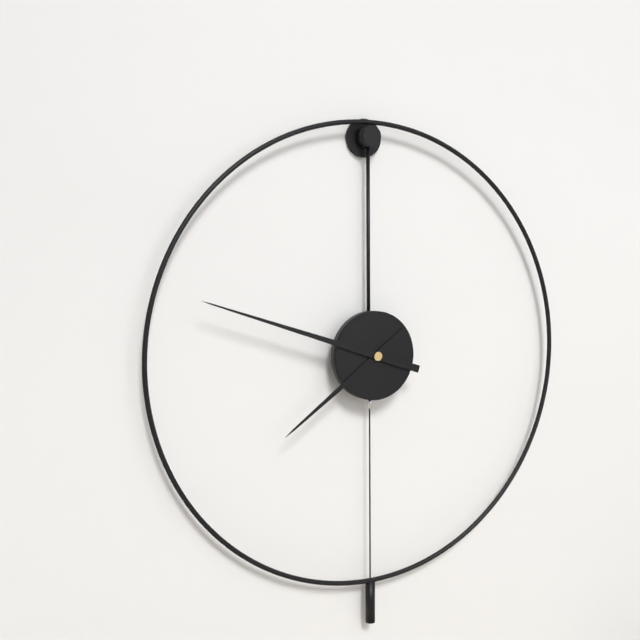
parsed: **7:48**
